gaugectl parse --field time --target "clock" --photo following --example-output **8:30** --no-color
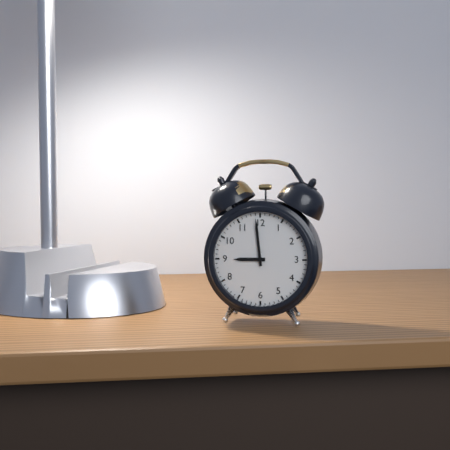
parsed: **8:59**
